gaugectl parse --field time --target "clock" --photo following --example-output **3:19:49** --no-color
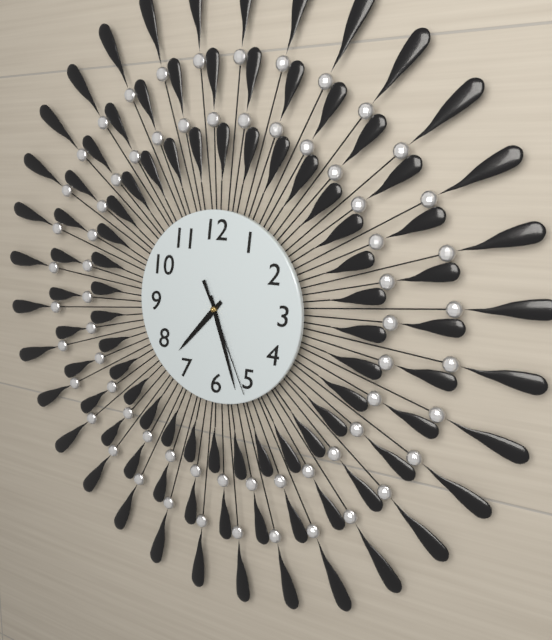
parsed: **7:27:26**
